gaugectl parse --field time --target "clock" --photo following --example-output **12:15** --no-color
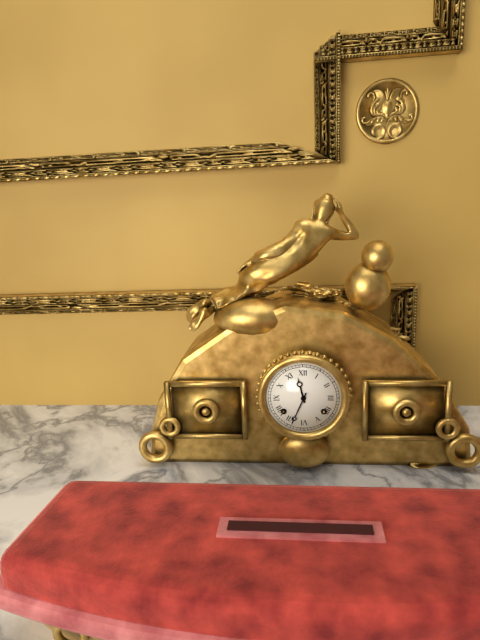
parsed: **11:34**
